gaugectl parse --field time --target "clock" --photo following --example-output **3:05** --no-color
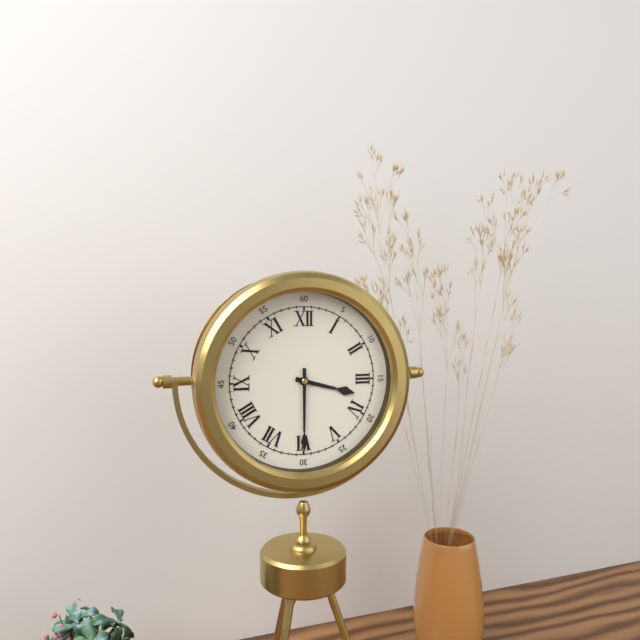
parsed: **3:30**
